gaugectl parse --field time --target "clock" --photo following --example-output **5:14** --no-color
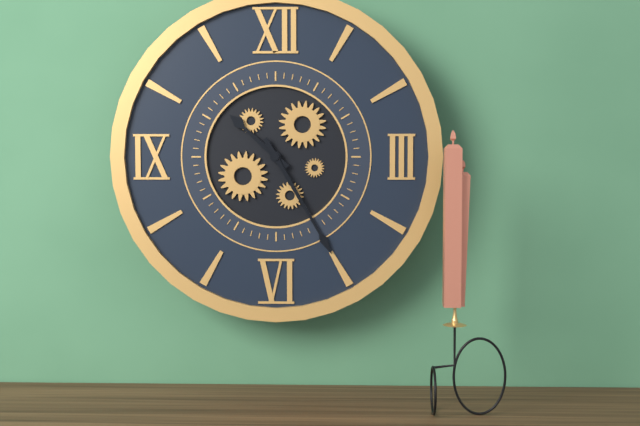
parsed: **10:25**
